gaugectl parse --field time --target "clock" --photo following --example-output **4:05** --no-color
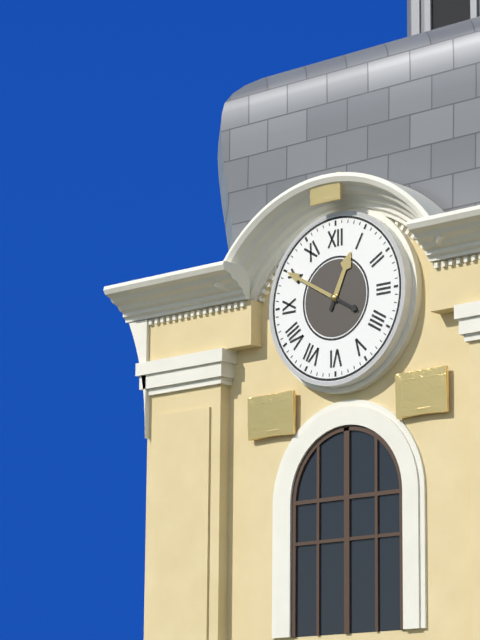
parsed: **12:50**
